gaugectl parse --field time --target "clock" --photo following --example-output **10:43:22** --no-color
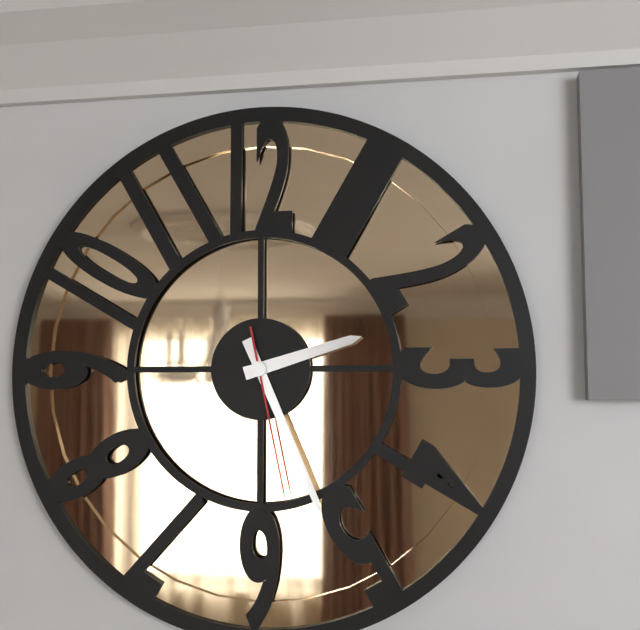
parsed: **2:26:28**
